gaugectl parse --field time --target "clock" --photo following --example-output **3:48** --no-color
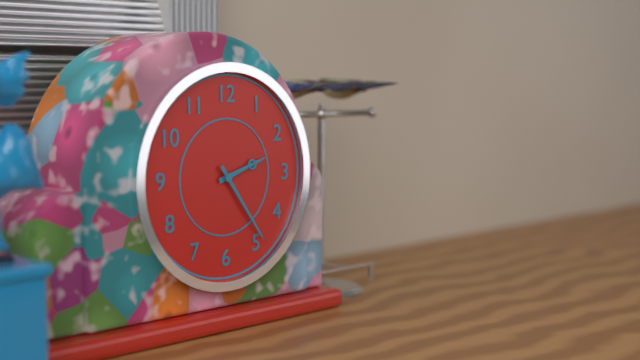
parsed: **2:24**
